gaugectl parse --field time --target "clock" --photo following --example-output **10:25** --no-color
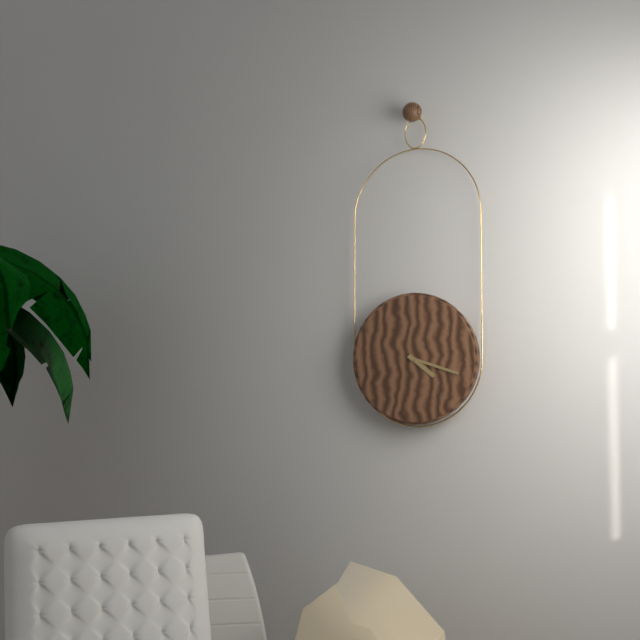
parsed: **4:18**
